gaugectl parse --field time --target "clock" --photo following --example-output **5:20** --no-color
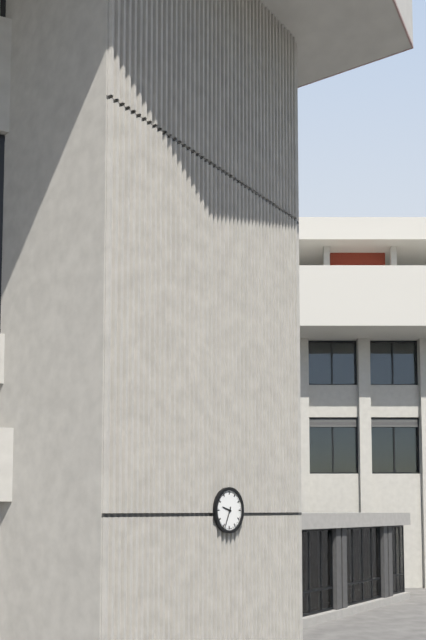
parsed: **9:34**
